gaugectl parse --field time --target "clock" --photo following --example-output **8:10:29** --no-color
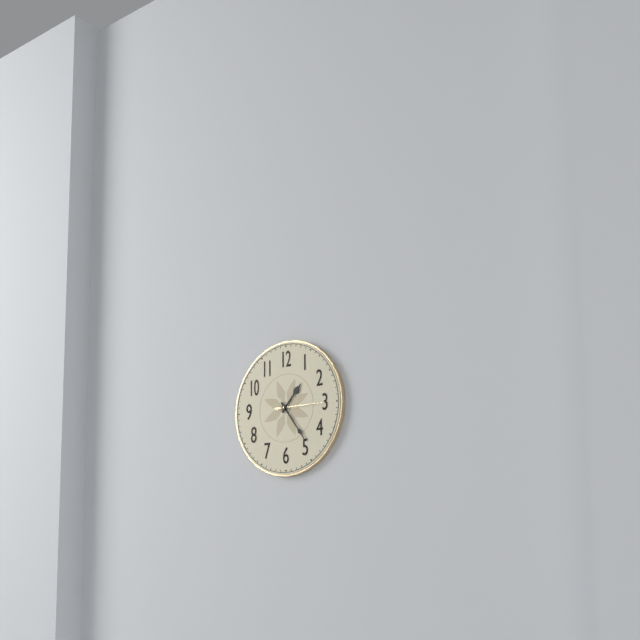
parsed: **1:24:15**
